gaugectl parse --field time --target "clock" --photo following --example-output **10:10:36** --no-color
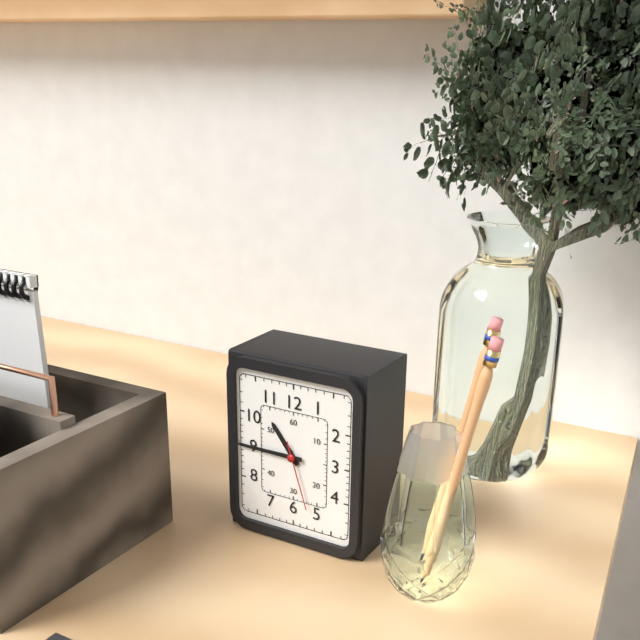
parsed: **10:45:27**
